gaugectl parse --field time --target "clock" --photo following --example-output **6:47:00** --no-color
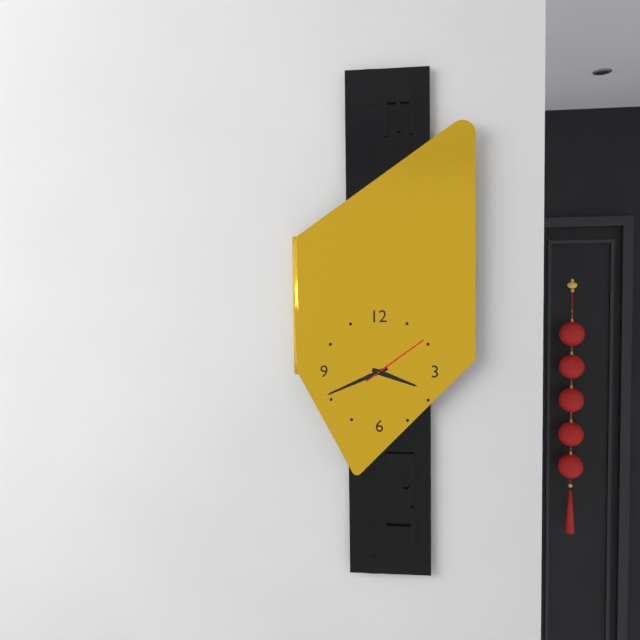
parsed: **3:41:09**
